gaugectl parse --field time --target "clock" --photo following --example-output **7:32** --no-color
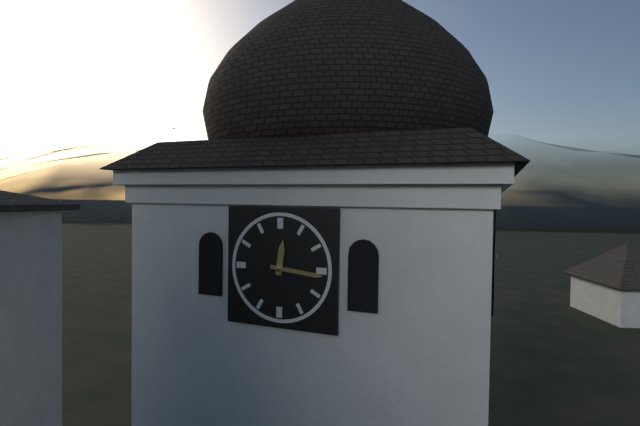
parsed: **12:16**
